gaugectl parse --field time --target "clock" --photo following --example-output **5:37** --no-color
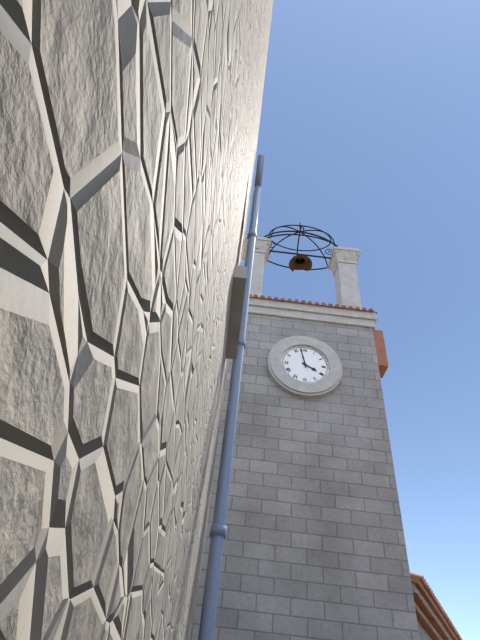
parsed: **3:58**
